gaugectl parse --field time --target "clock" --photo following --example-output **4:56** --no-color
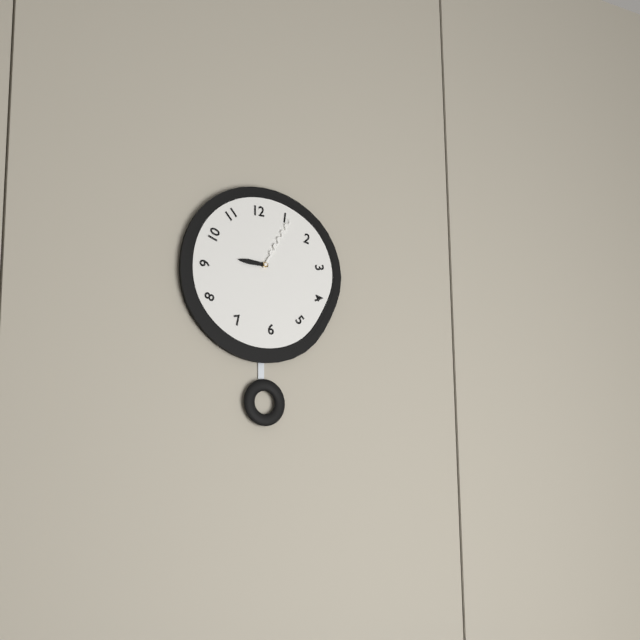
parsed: **9:05**
